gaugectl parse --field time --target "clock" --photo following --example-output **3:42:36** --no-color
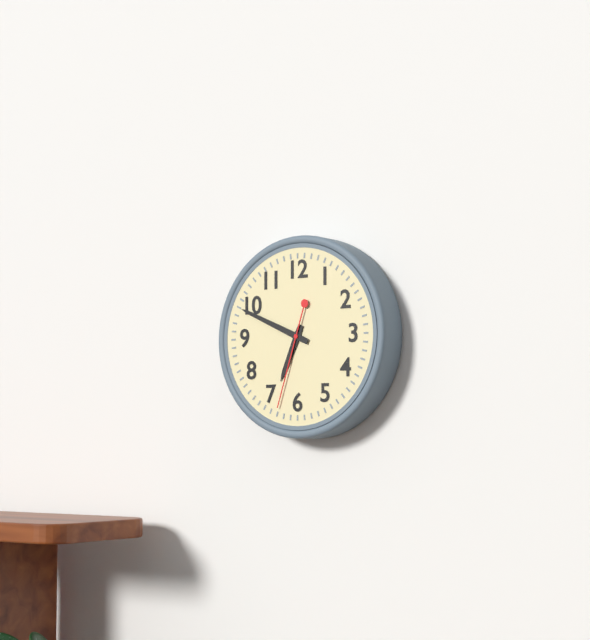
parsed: **6:49:33**
